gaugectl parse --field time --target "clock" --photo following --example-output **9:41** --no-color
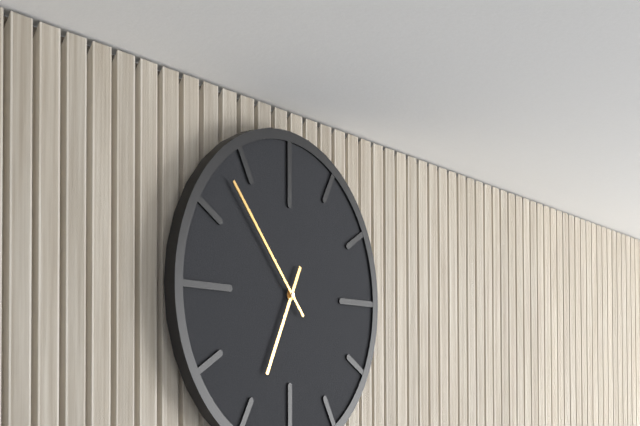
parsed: **6:53**
